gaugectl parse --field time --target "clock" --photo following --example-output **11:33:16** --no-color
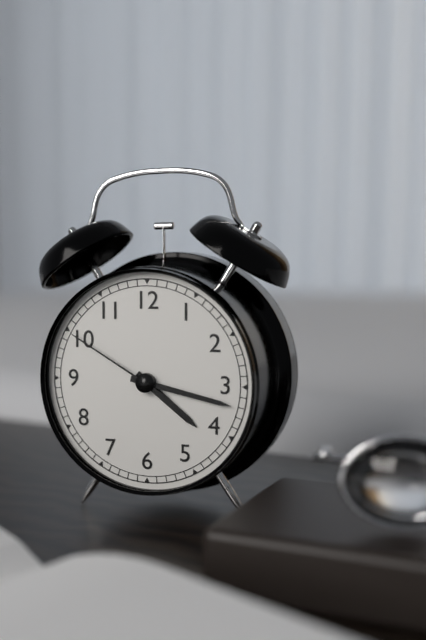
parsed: **4:17:50**
